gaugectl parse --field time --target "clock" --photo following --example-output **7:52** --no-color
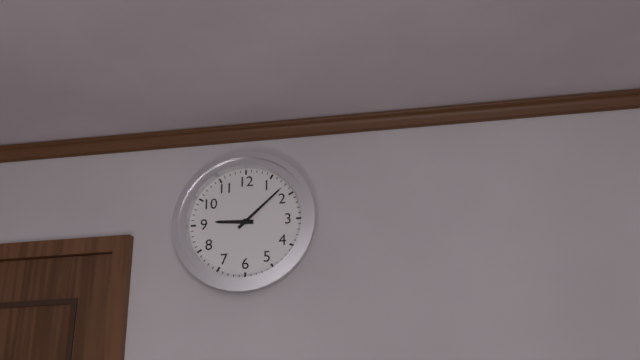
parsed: **9:08**
